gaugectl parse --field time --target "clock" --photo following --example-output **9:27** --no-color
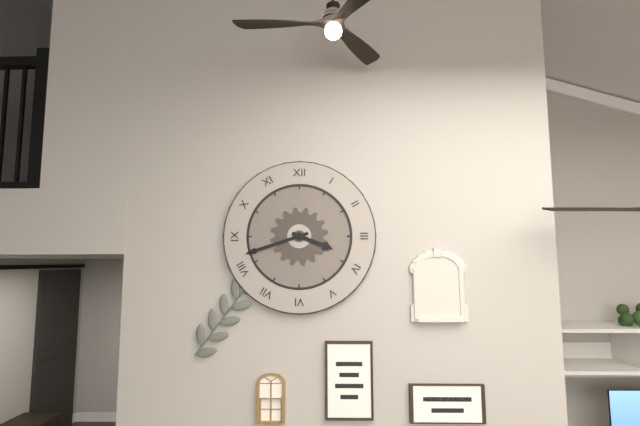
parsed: **3:42**
